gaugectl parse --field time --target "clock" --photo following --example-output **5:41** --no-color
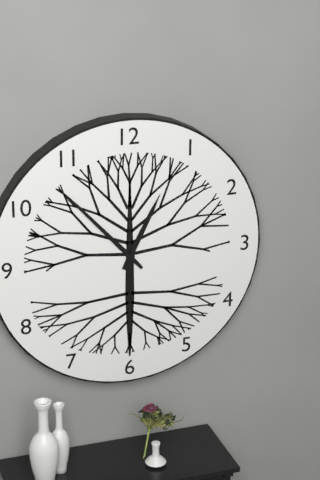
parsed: **12:53**
